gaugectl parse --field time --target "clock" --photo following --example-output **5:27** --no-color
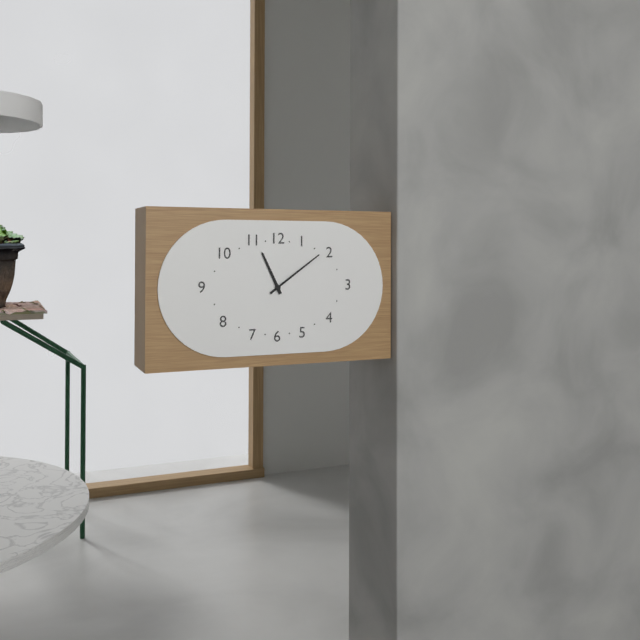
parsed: **11:09**
